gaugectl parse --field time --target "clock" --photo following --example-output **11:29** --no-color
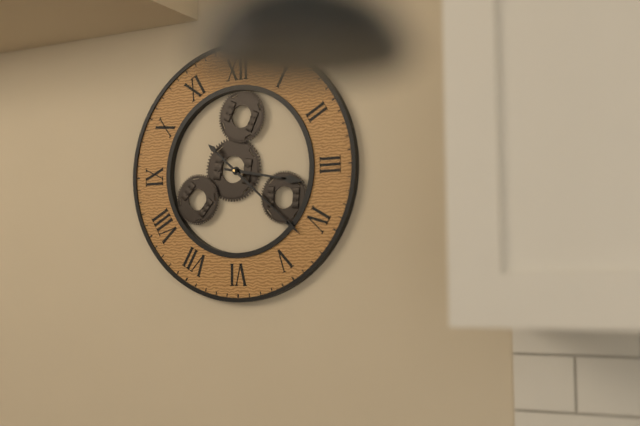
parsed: **3:22**
